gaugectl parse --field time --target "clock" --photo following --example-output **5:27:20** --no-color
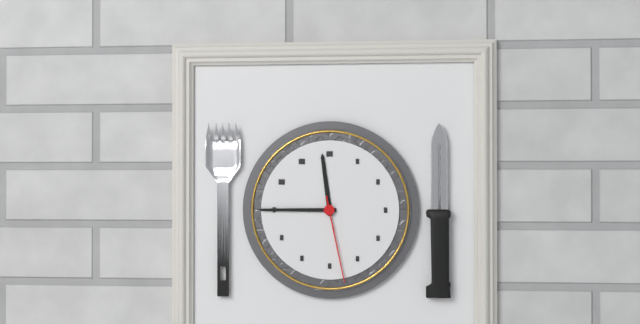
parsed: **11:45:28**
